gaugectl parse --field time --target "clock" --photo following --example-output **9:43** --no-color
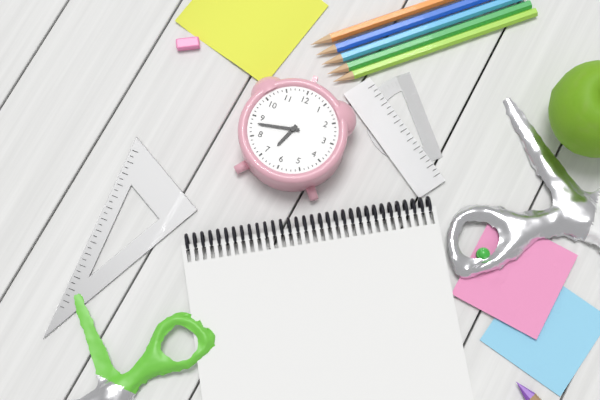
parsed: **6:43**
